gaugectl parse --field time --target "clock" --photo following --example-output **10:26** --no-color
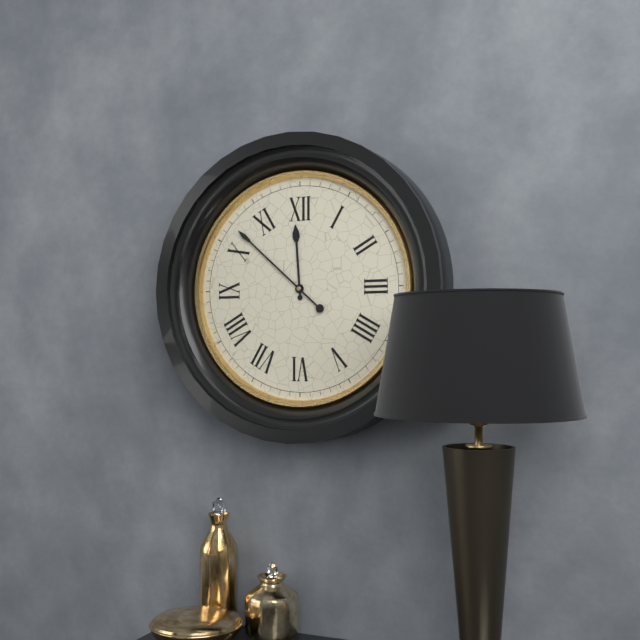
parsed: **11:52**
